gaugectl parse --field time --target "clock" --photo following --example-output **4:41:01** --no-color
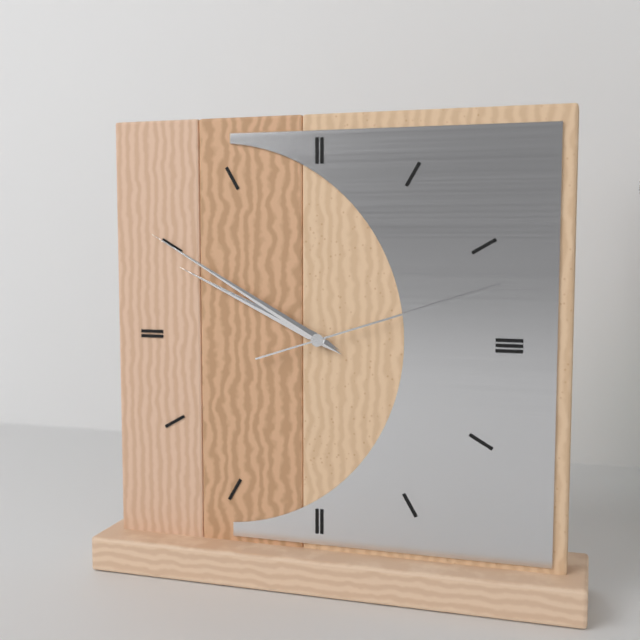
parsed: **9:50:12**
